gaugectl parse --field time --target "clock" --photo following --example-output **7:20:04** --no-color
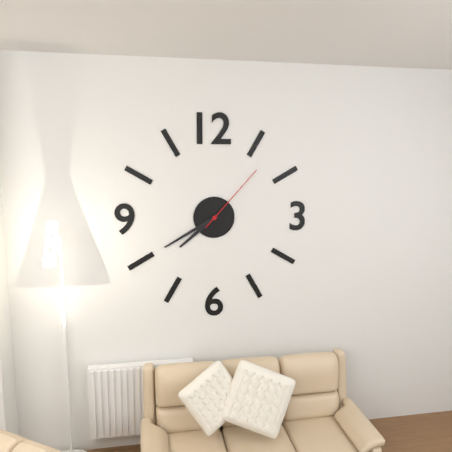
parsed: **7:40:07**
